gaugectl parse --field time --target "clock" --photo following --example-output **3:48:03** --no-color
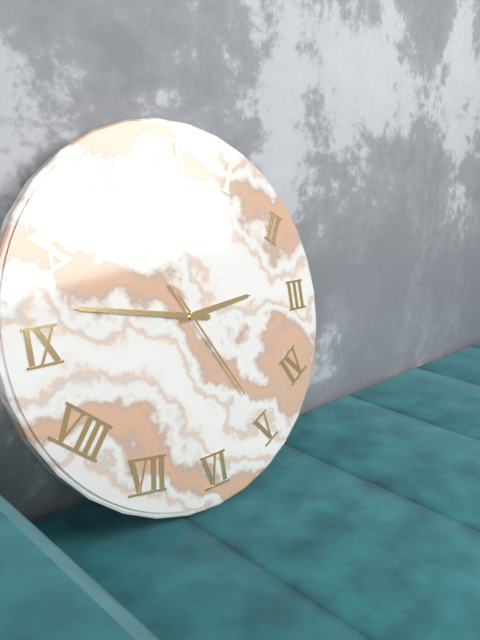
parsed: **2:47:25**
